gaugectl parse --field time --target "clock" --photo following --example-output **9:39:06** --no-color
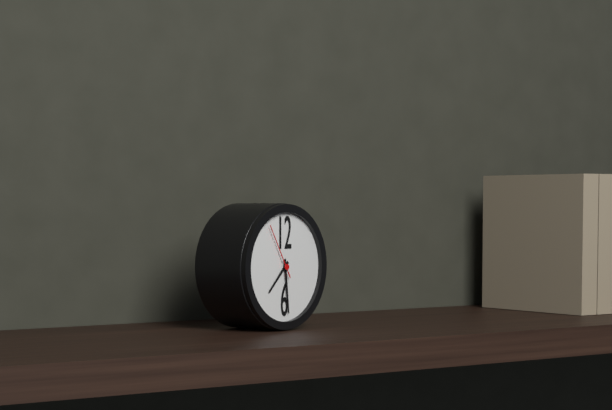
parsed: **7:29:55**
